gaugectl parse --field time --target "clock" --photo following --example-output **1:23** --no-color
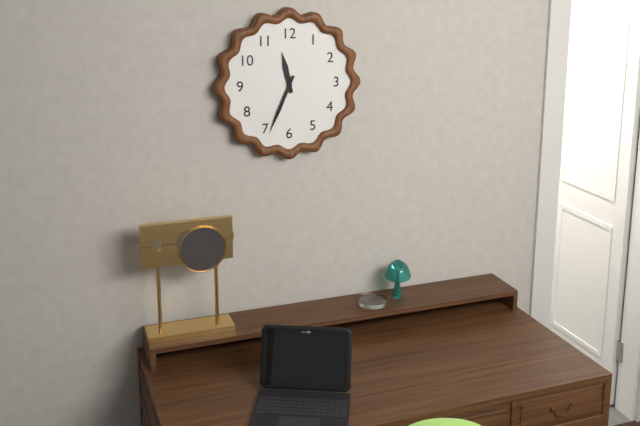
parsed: **11:34**
